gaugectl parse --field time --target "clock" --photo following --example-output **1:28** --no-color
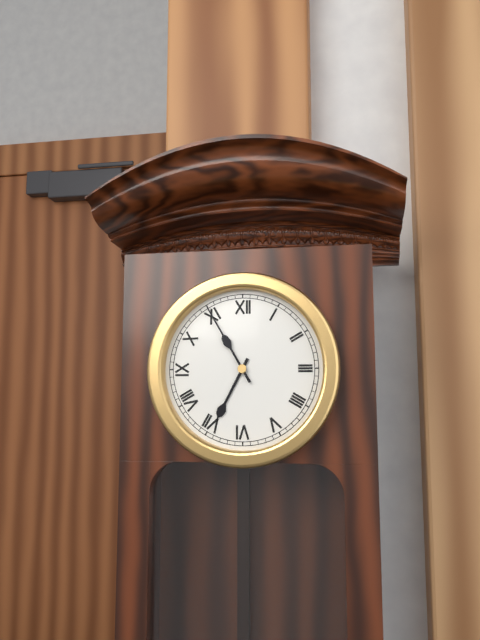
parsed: **6:55**
